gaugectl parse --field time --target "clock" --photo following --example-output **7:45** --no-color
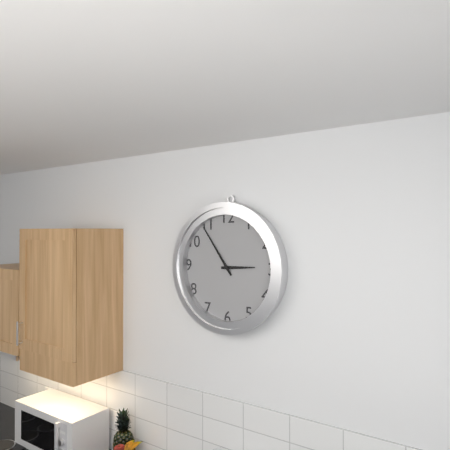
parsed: **2:54**
